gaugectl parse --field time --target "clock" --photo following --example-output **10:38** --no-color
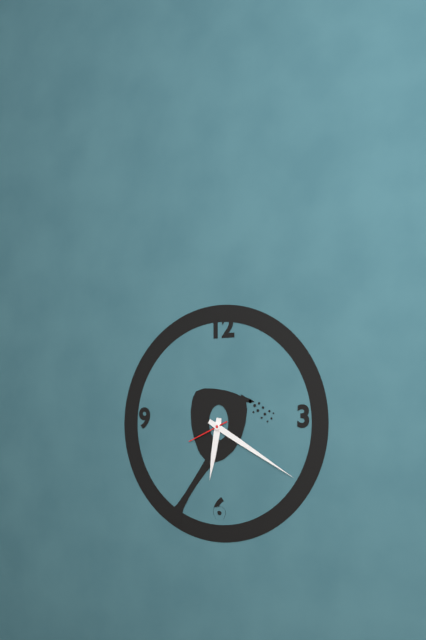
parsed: **6:20**
